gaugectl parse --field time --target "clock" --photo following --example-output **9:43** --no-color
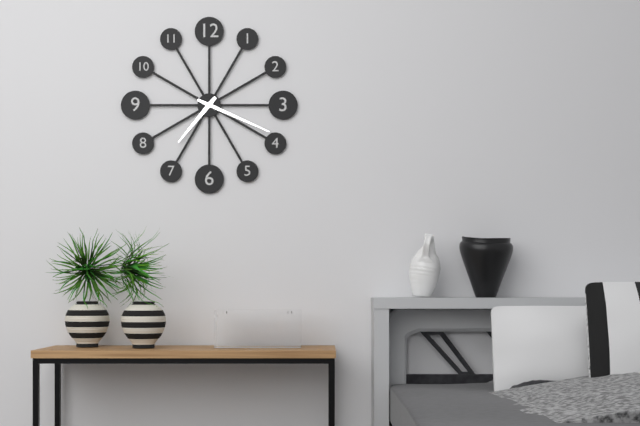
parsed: **7:19**
